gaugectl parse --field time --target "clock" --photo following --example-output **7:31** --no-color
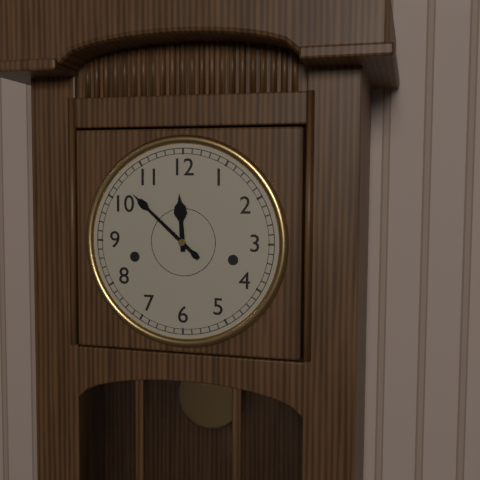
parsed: **11:52**
